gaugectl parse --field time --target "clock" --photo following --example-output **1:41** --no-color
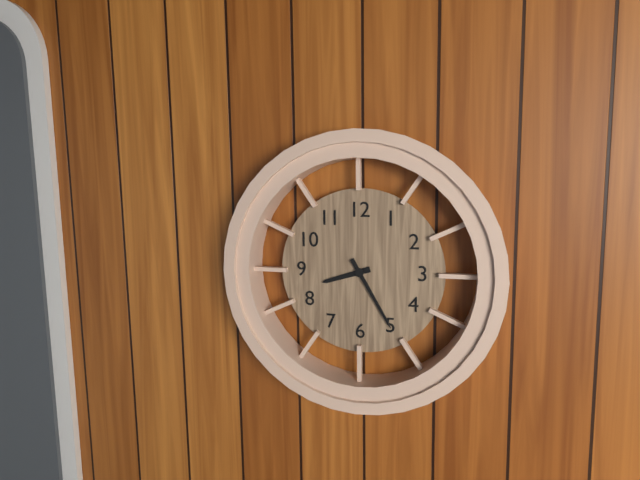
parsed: **8:25**
